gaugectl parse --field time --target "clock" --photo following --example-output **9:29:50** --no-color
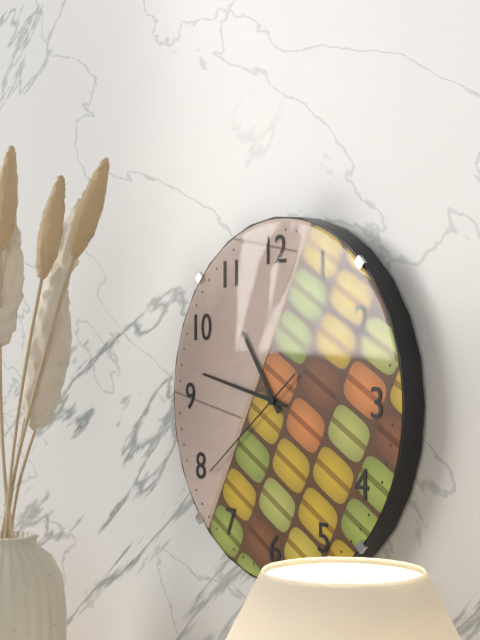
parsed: **10:47:39**
